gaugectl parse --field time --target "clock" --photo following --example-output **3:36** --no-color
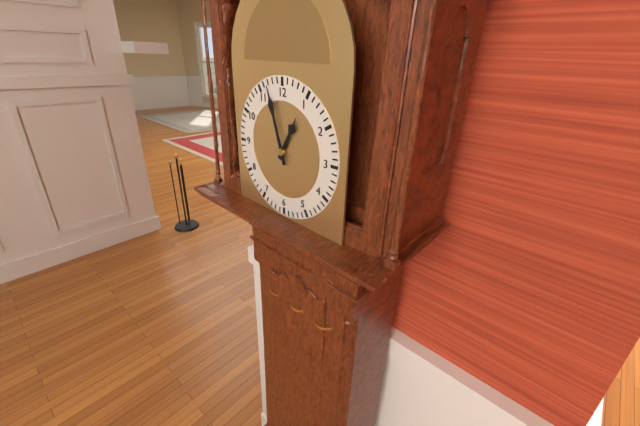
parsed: **12:57**
